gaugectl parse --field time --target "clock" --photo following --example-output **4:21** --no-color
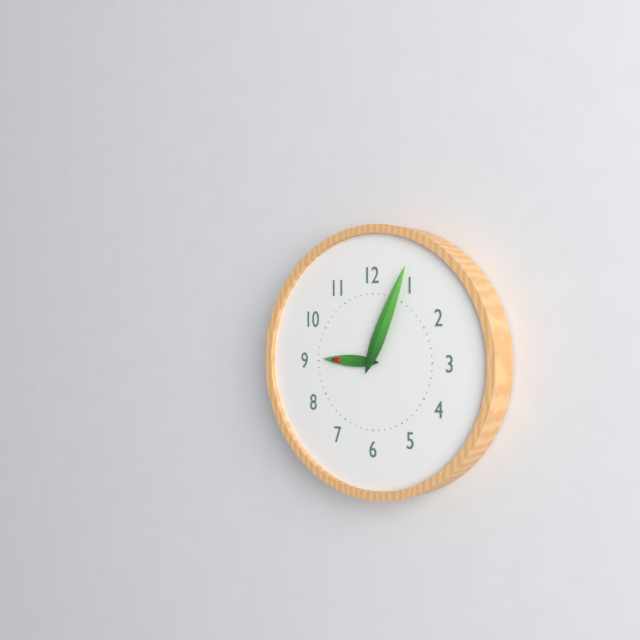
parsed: **9:04**
